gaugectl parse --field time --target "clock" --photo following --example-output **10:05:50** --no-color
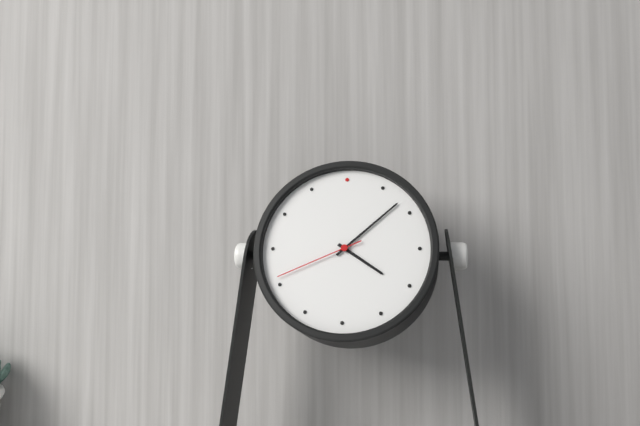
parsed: **4:08:41**
